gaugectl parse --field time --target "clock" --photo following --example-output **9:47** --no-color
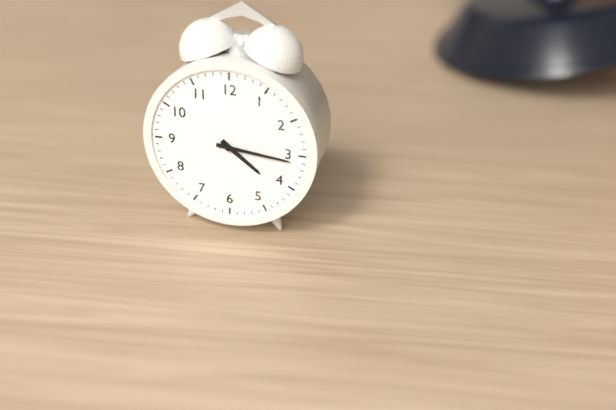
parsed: **4:16**
